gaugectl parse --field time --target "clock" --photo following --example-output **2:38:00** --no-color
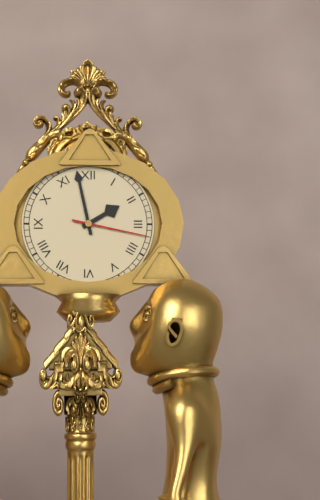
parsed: **1:58:17**
